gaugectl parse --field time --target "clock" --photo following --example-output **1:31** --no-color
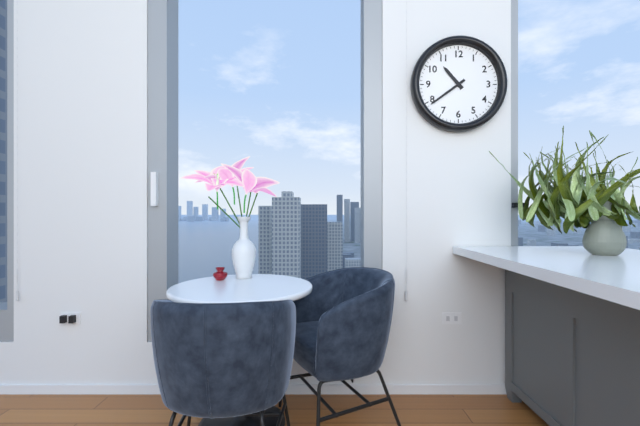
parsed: **10:39**
